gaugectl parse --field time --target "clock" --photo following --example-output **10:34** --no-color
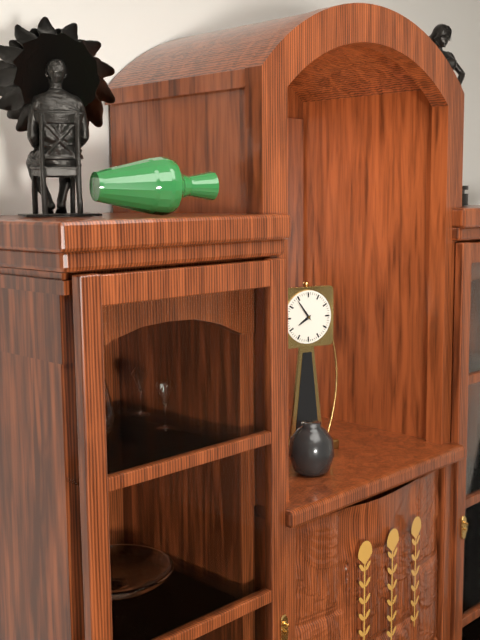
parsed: **7:54**
